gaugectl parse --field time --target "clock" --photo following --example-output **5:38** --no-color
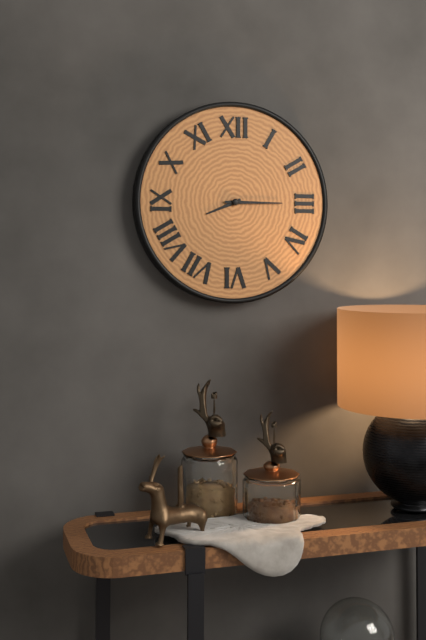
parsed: **8:15**
